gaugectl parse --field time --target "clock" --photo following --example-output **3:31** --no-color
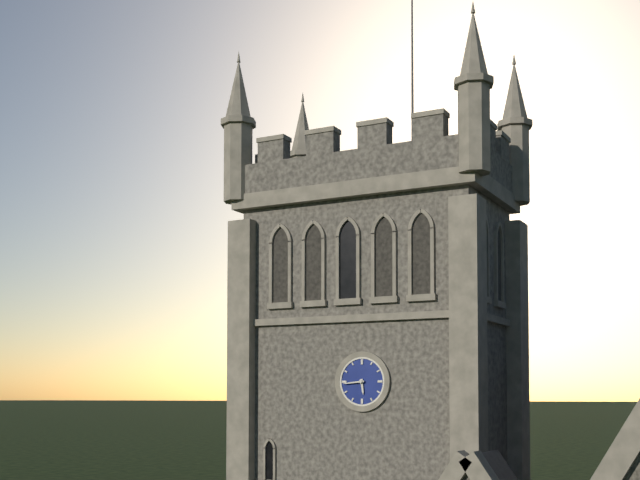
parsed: **5:44**
